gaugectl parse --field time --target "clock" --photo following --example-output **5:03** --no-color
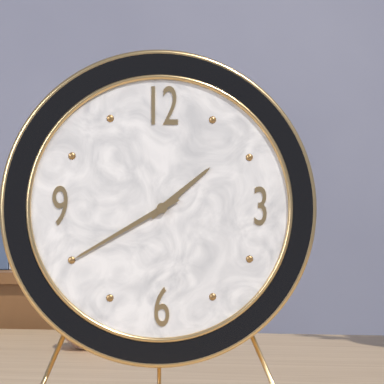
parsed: **1:40**
